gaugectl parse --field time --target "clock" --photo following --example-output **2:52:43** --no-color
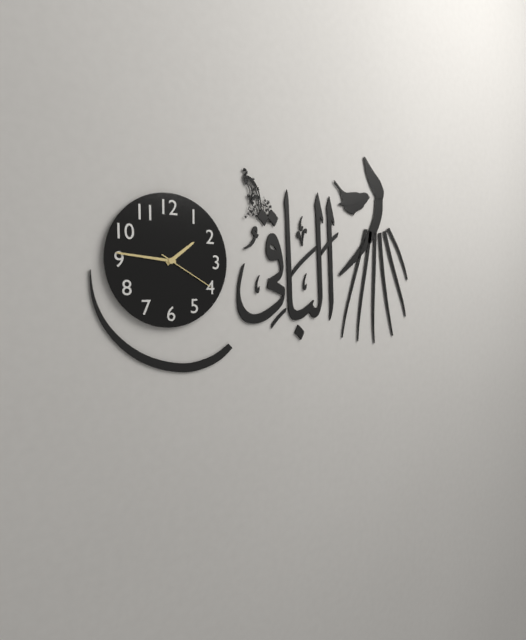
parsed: **1:46:20**
